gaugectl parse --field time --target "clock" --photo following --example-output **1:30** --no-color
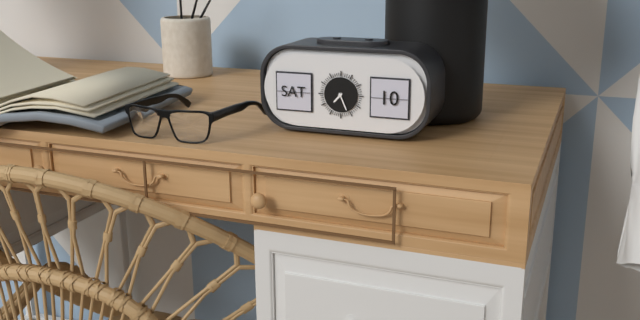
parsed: **7:26**
